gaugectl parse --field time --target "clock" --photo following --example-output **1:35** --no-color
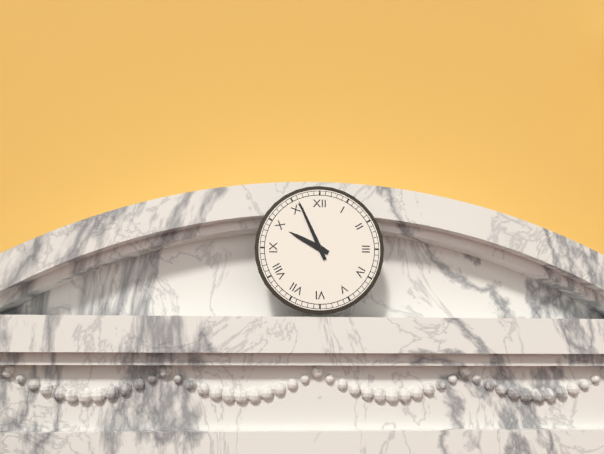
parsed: **9:56**
